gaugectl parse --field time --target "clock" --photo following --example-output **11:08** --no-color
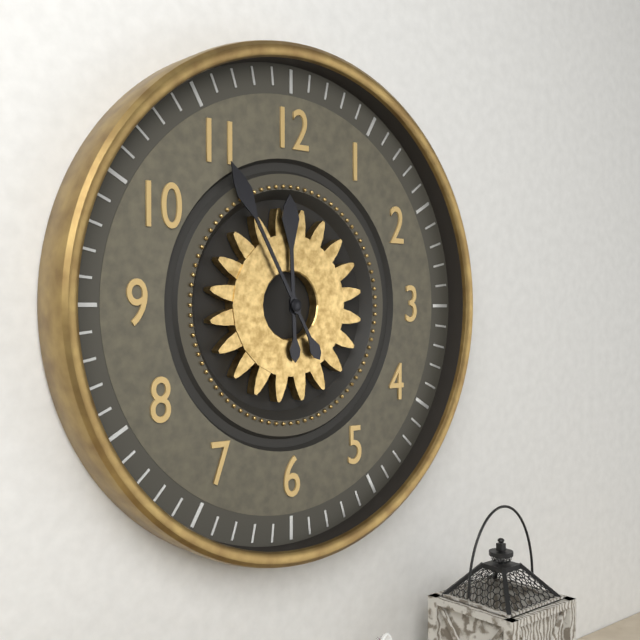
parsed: **11:55**
